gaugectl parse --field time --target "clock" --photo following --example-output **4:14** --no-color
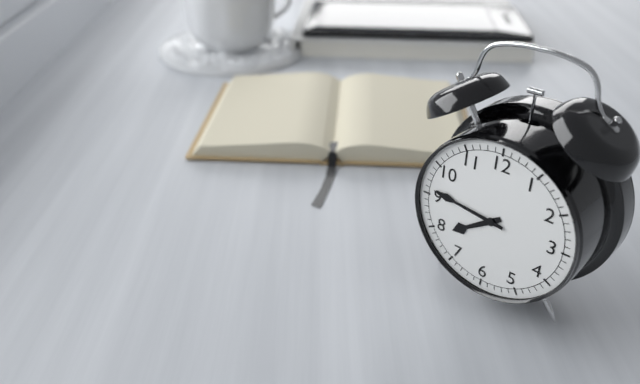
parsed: **7:46**
